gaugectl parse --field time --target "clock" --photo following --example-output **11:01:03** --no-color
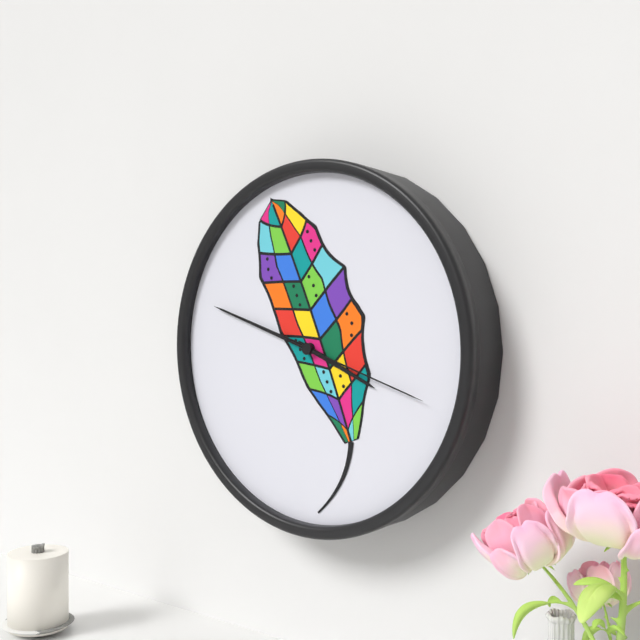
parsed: **3:48:18**
